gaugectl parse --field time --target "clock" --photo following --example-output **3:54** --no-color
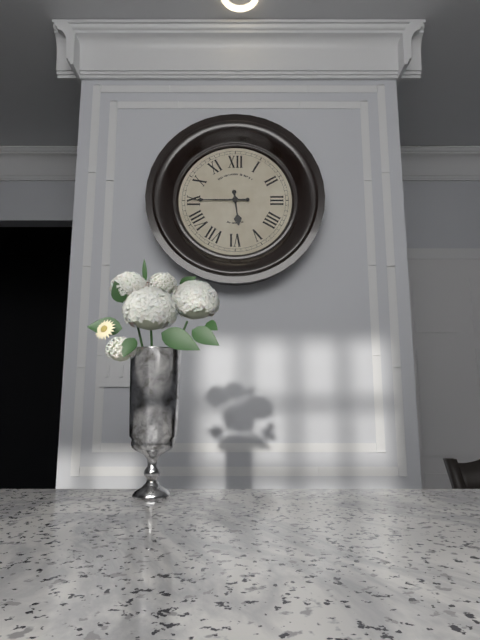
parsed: **5:45**
